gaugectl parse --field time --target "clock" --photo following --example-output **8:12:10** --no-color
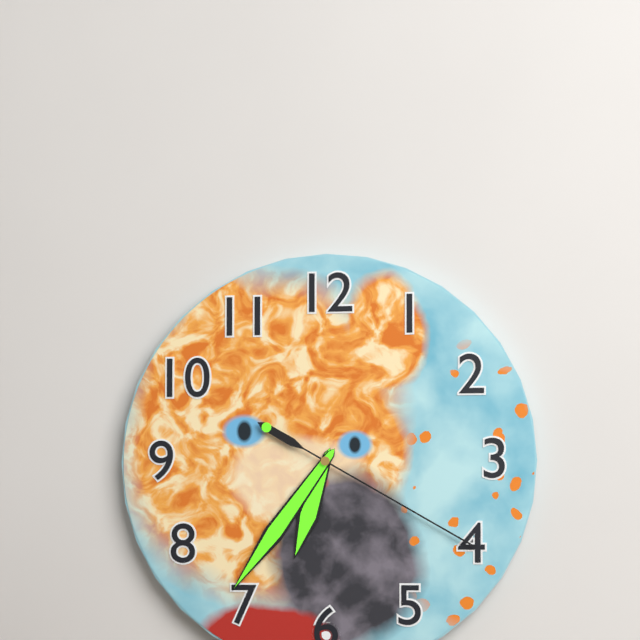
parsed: **6:36:20**
